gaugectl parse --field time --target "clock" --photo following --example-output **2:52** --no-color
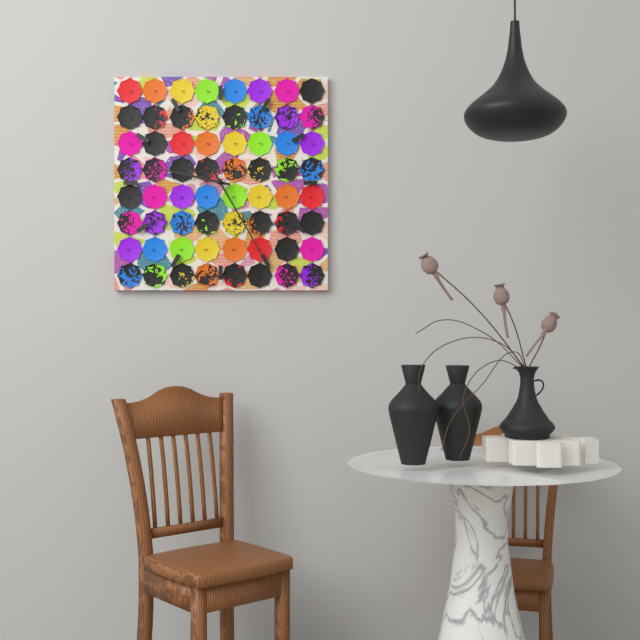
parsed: **9:25**
